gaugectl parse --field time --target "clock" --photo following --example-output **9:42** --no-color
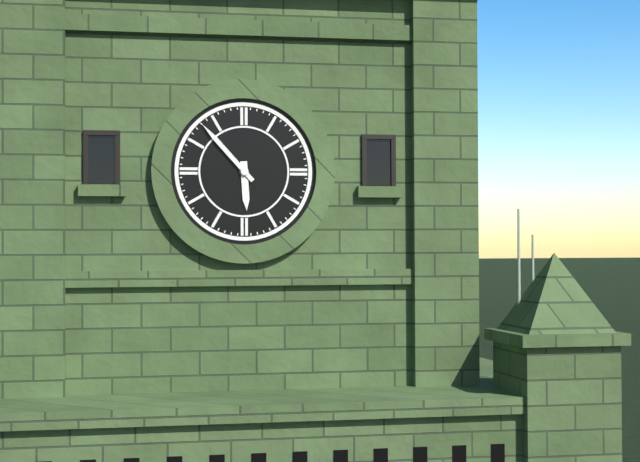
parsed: **5:53**
